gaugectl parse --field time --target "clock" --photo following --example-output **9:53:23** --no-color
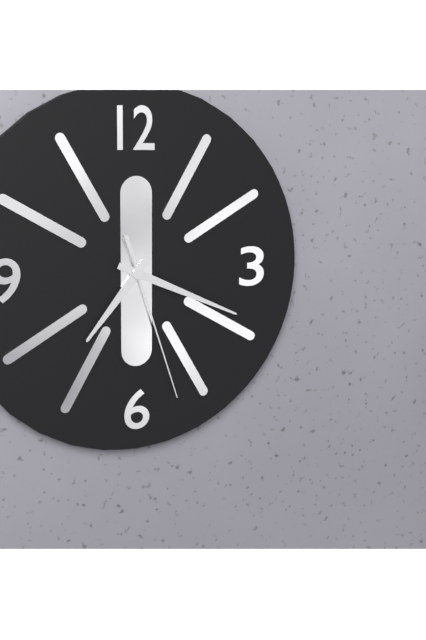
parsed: **7:19:27**
